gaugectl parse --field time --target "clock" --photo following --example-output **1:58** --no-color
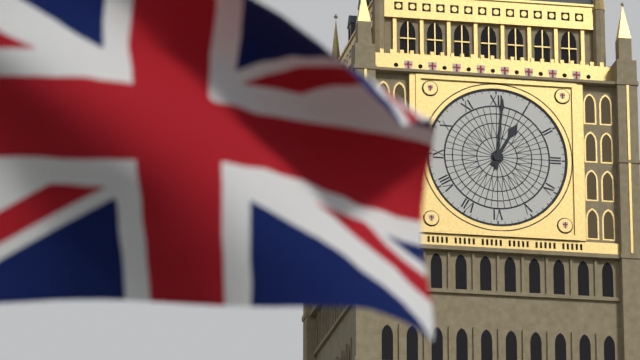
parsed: **1:01**
